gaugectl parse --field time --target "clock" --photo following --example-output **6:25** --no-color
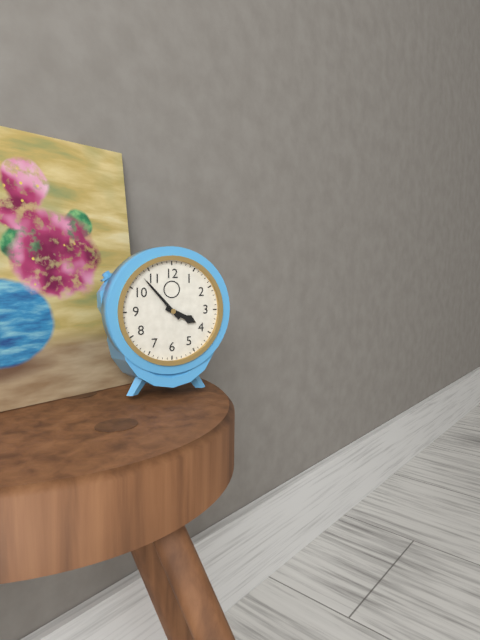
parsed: **3:53**
